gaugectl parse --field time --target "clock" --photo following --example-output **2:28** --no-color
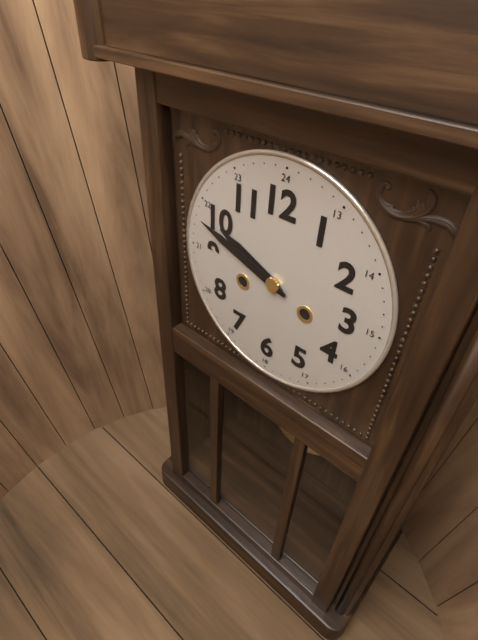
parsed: **9:48**
